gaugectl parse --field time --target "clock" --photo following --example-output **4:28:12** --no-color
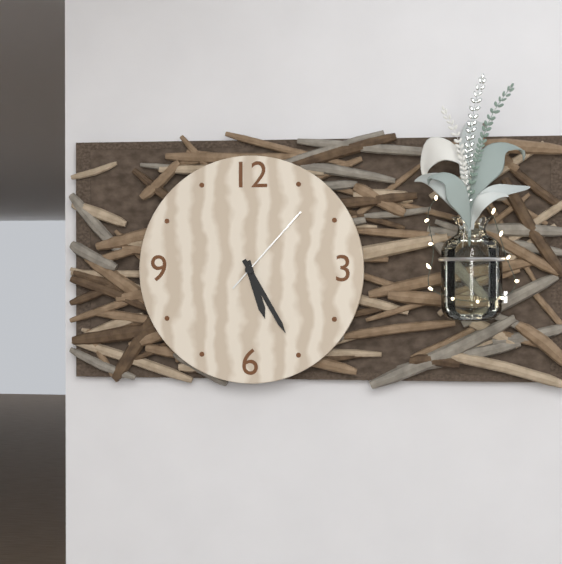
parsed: **5:25:07**
